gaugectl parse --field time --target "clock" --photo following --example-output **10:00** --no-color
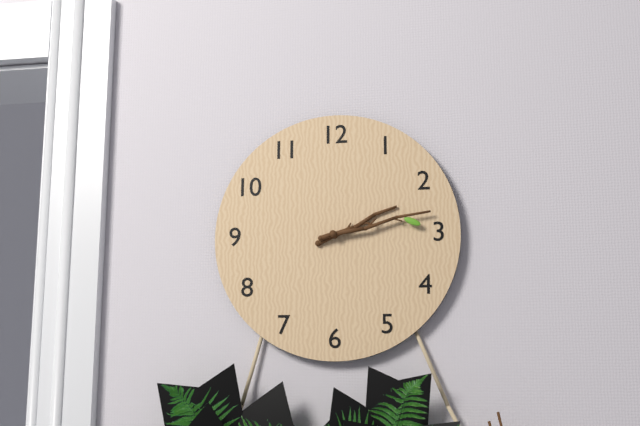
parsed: **2:13**
